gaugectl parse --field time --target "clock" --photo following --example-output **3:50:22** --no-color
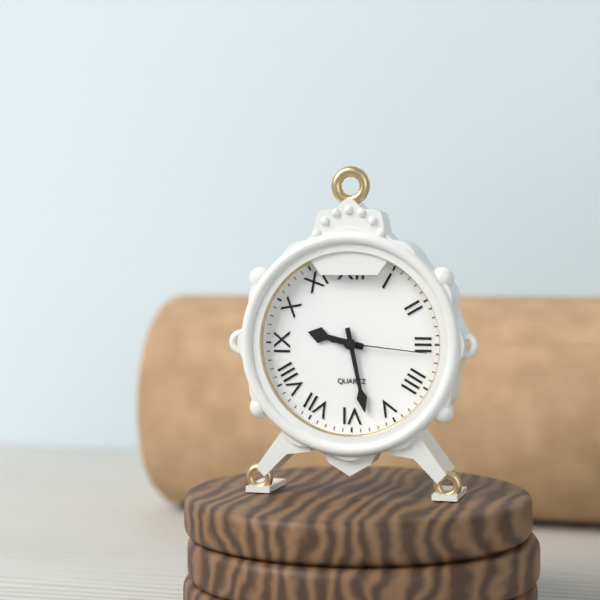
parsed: **9:28:16**
